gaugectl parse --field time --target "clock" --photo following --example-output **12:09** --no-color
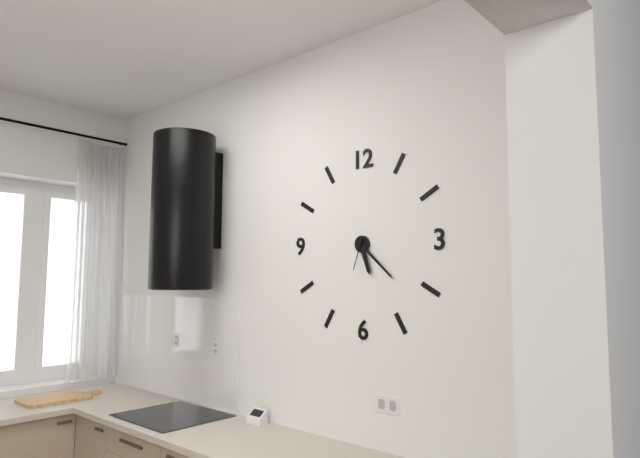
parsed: **5:22**
